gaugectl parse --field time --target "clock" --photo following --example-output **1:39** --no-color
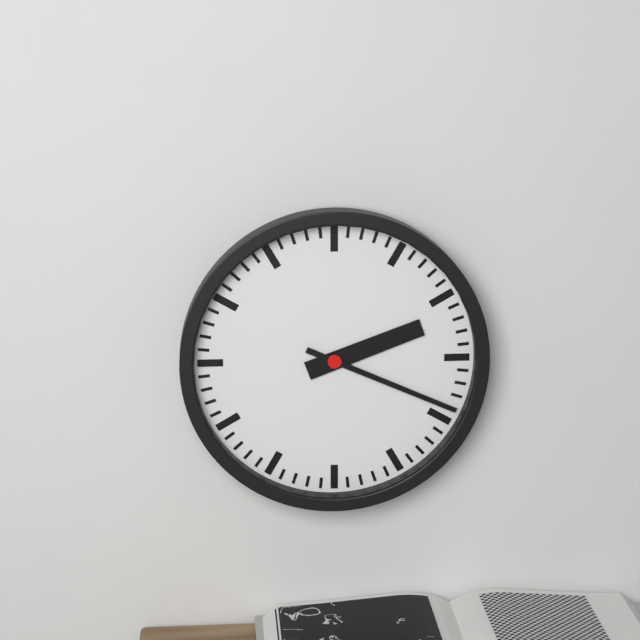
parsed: **2:19**
